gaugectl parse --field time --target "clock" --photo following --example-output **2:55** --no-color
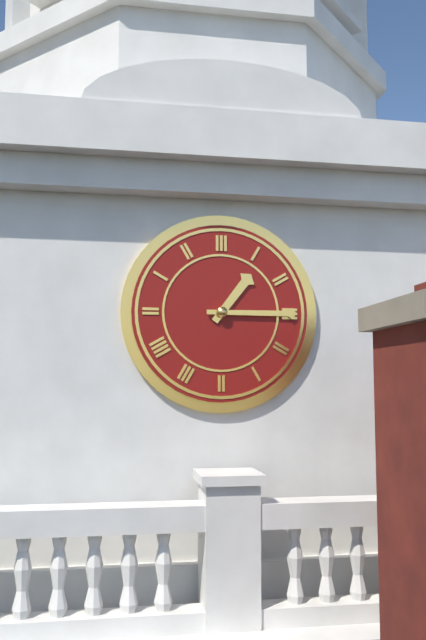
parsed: **1:15**
